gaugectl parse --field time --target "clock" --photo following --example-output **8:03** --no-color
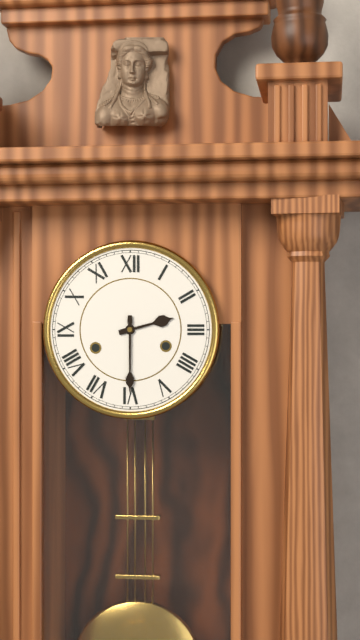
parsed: **2:30**
